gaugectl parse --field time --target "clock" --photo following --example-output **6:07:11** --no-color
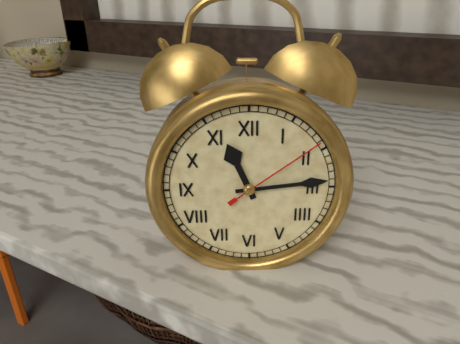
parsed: **11:14:09**
